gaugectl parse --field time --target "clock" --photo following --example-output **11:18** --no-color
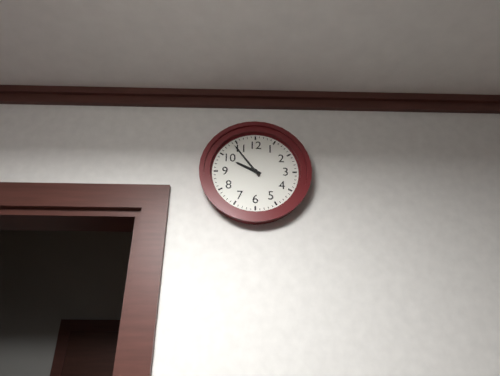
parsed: **9:54**
